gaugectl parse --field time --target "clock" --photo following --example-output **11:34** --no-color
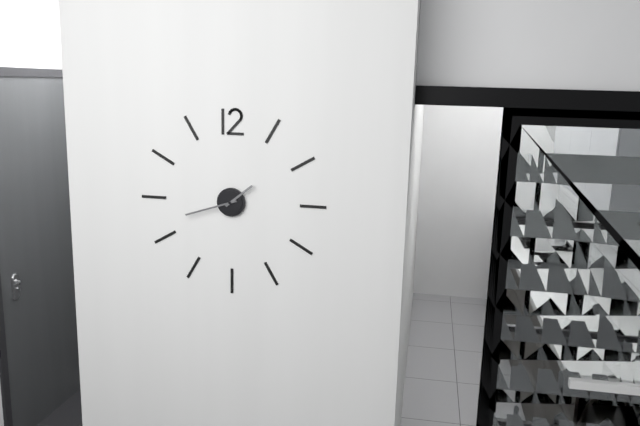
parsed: **1:42**
